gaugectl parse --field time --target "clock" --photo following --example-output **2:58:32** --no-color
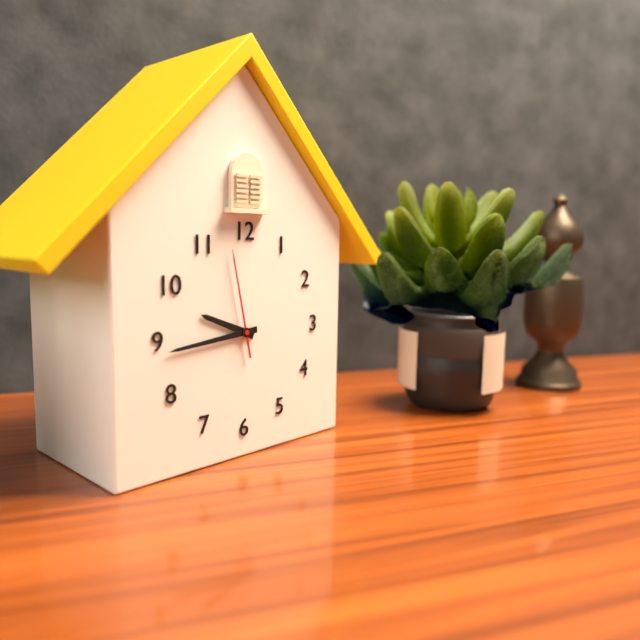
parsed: **9:44:58**
